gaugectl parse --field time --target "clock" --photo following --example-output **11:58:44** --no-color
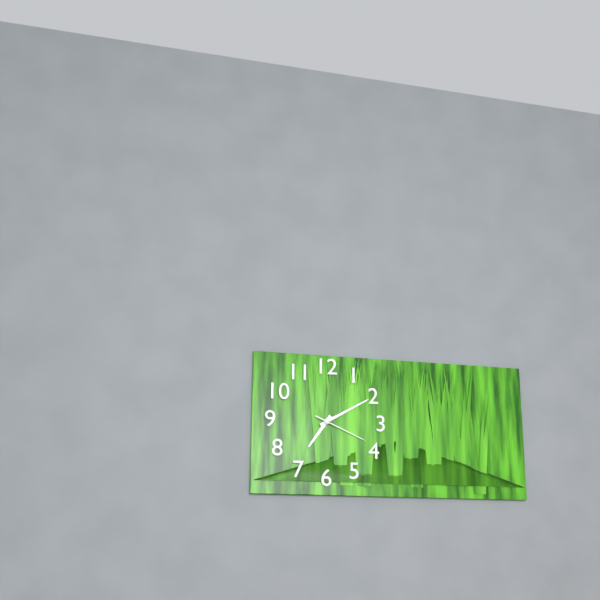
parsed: **7:10:19**
